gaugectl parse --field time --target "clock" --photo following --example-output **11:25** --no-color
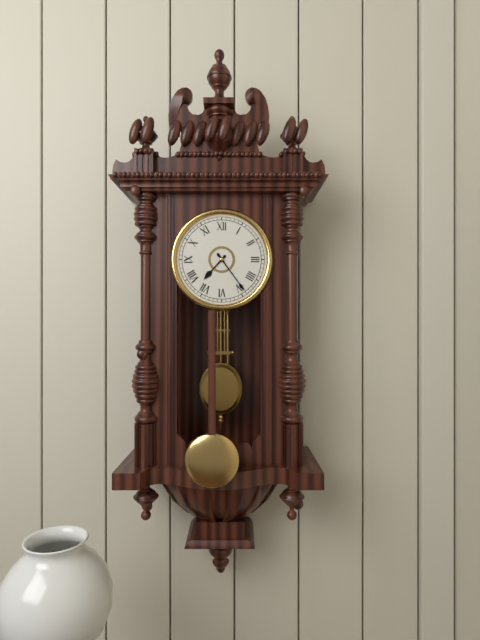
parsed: **7:24**
